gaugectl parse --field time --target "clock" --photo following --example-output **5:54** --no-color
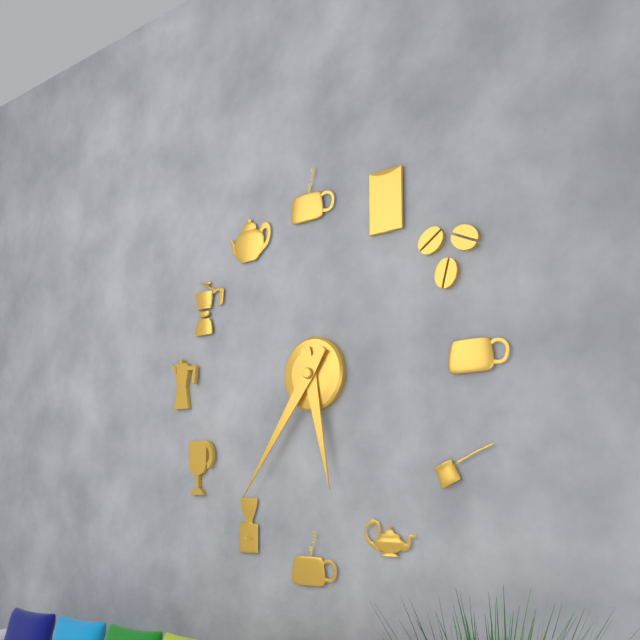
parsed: **5:36**
